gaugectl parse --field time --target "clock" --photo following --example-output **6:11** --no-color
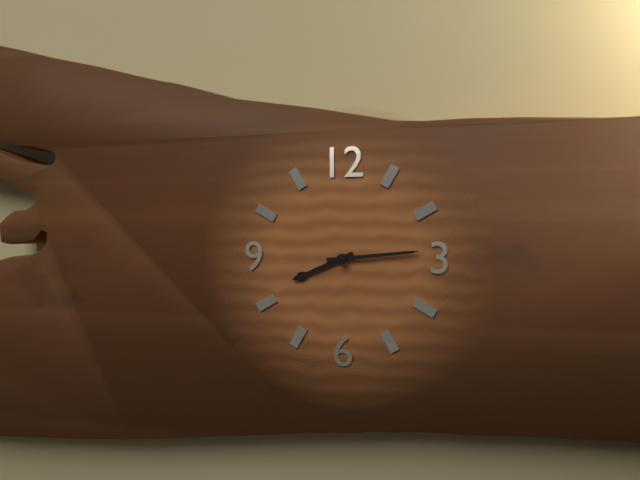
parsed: **8:14**
